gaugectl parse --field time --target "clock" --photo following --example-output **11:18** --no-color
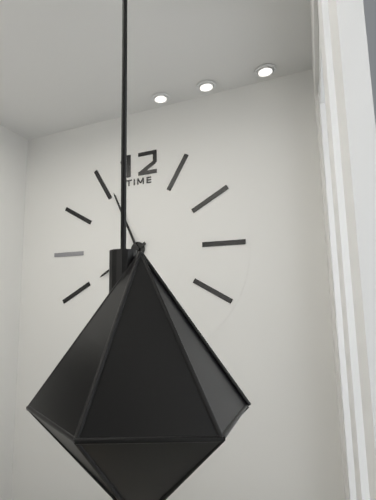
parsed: **7:56**
